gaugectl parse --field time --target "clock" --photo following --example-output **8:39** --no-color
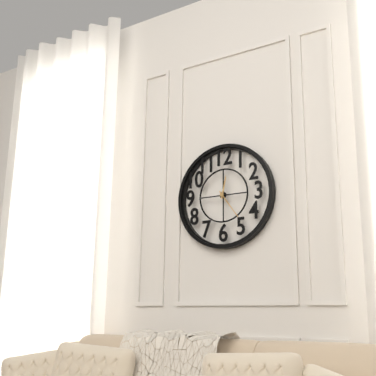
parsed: **12:24**
